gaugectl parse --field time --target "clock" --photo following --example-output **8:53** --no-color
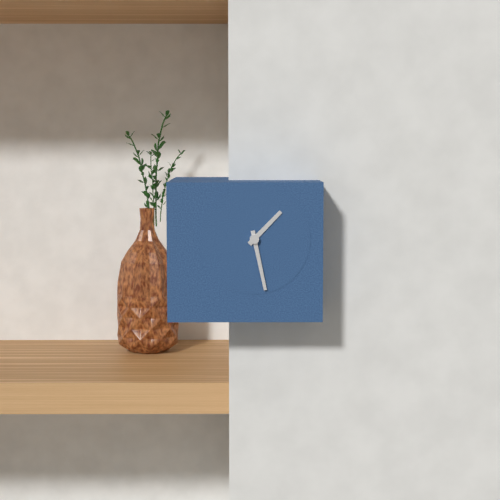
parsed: **1:28**
